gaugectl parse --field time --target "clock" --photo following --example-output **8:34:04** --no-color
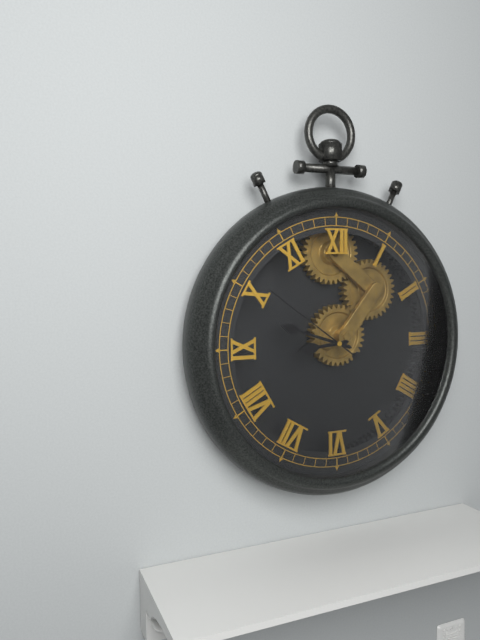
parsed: **8:48:51**
